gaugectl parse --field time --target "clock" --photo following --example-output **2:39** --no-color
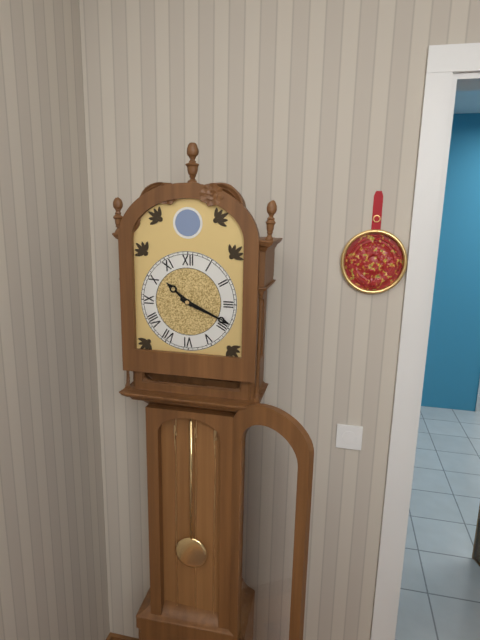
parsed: **10:19**
